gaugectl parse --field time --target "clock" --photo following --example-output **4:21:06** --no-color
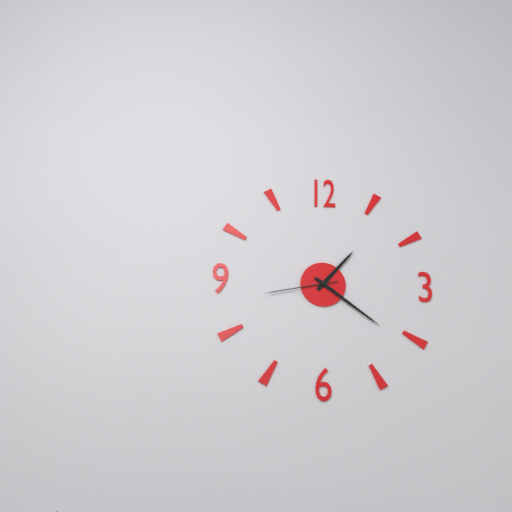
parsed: **1:21:43**
